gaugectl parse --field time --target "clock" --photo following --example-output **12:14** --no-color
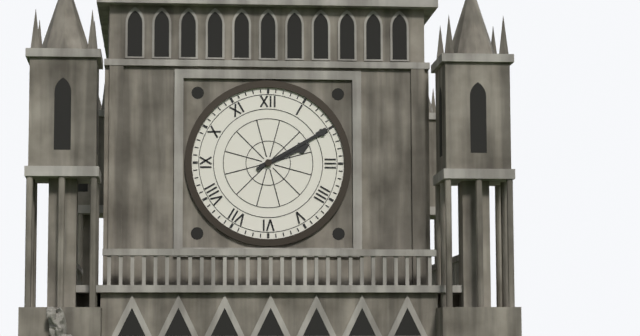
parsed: **2:10**
